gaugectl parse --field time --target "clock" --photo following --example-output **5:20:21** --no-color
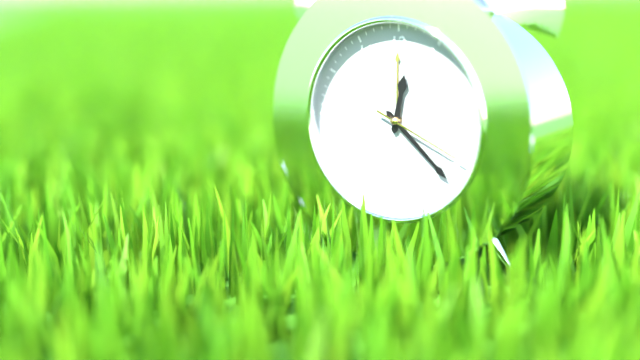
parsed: **12:22:19**
